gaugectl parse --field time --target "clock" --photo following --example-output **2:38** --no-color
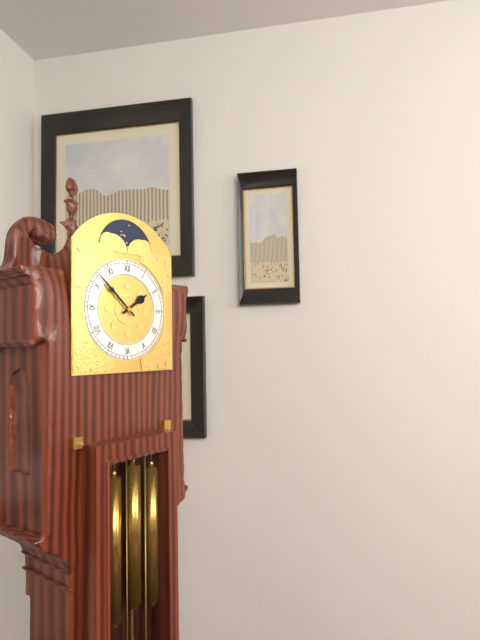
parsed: **1:52**
